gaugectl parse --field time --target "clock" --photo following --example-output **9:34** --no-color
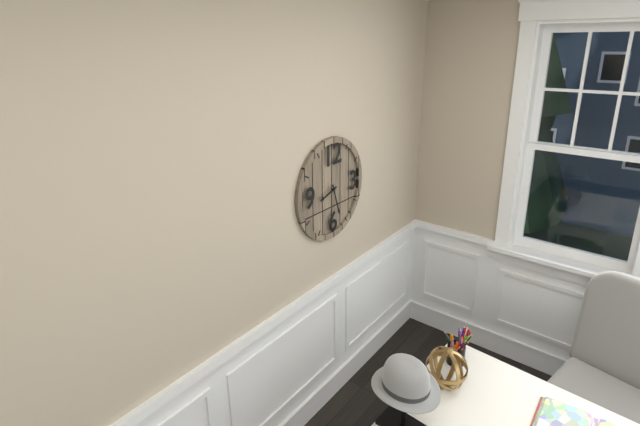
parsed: **8:27**
